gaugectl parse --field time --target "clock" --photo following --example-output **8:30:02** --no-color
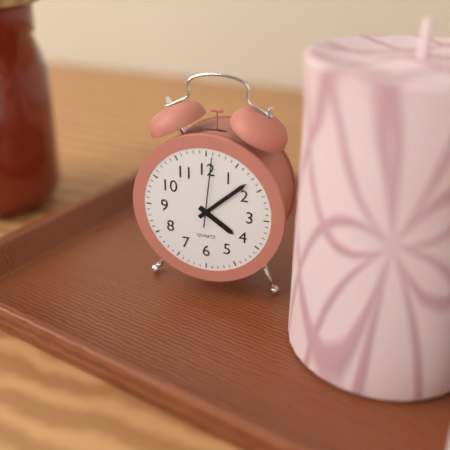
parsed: **4:08:01**
